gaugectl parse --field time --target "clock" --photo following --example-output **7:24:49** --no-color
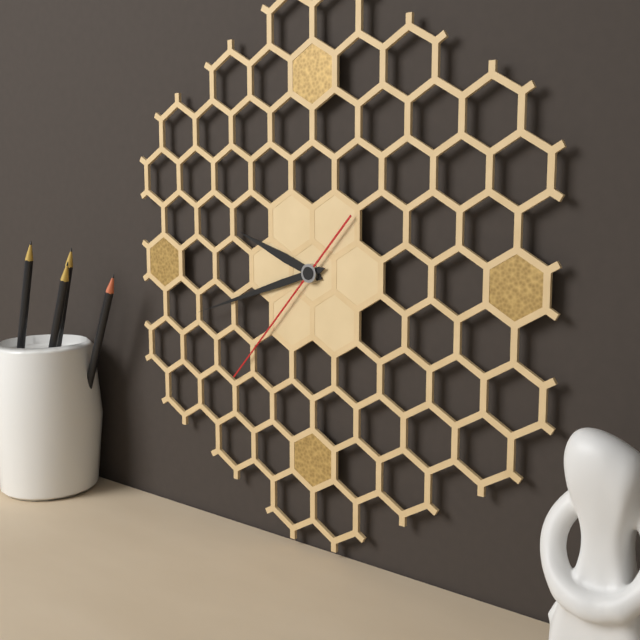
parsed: **9:42:37**
